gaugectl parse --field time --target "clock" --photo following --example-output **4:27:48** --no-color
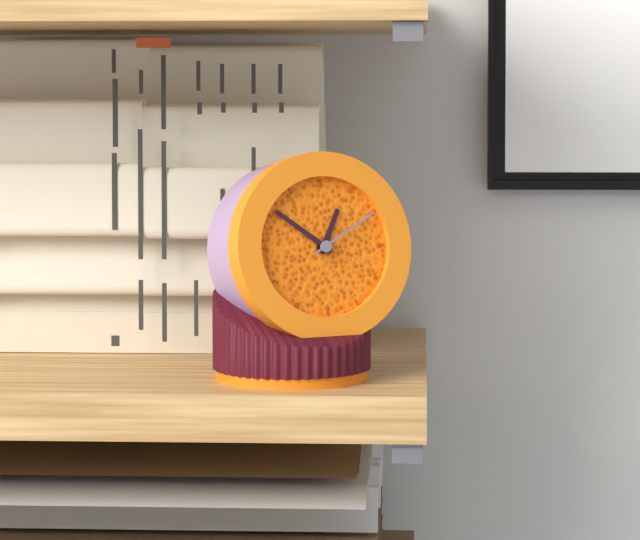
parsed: **12:51:10**
